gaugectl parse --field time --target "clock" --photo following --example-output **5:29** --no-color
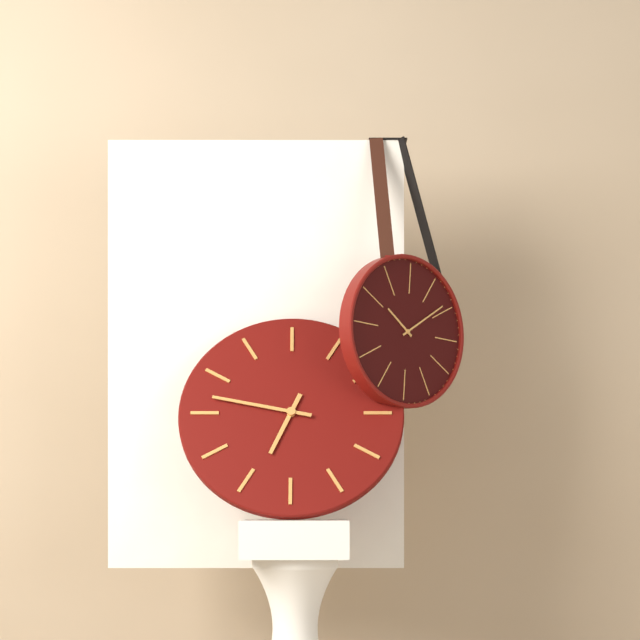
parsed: **6:47**
